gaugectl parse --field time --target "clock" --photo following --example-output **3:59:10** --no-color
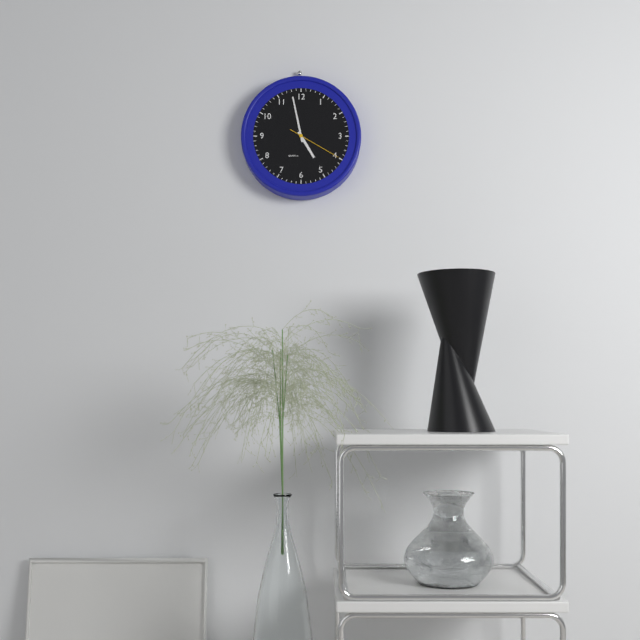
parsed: **4:58:20**
